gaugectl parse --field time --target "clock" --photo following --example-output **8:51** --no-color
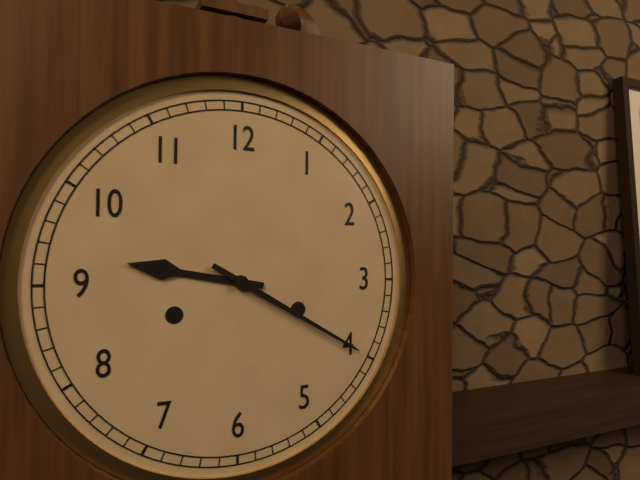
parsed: **9:20**
